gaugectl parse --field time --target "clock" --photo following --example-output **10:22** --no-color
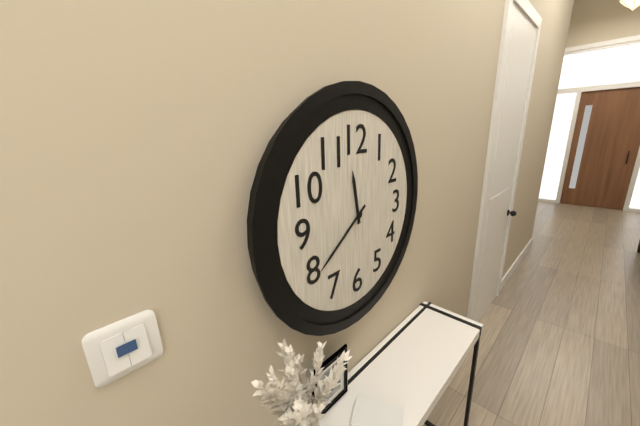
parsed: **11:39**
